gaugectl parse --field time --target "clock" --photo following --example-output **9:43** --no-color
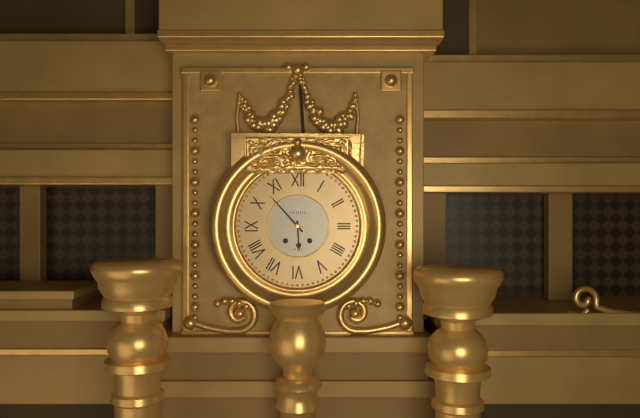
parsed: **5:53**
